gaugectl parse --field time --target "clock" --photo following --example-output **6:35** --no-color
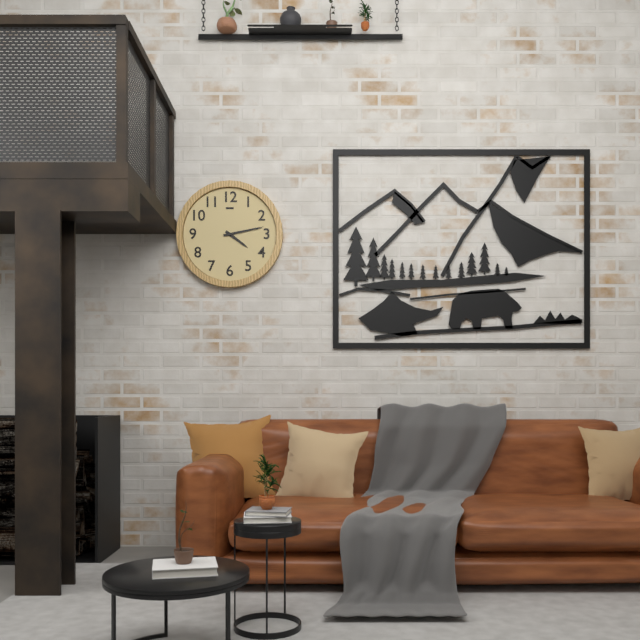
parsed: **4:13**
